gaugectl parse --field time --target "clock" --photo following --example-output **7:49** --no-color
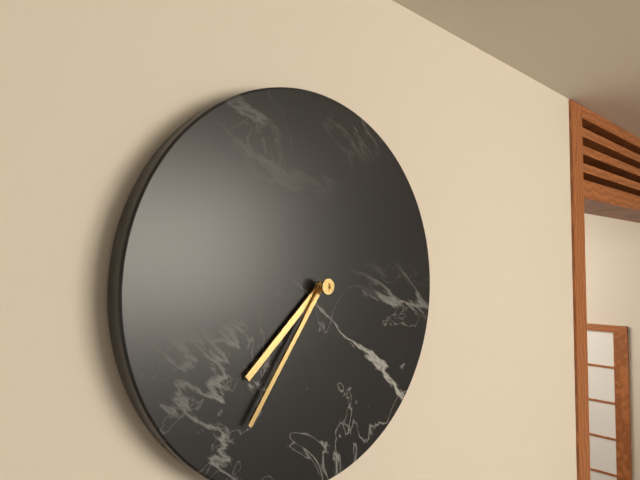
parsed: **7:36**
